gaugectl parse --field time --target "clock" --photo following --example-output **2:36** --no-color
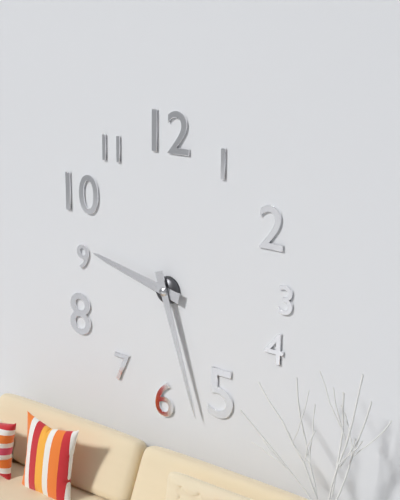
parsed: **9:27**
